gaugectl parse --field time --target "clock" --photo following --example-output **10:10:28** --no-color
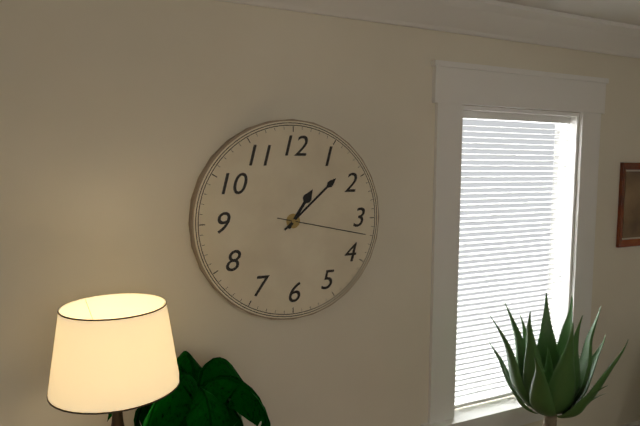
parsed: **1:08:17**
